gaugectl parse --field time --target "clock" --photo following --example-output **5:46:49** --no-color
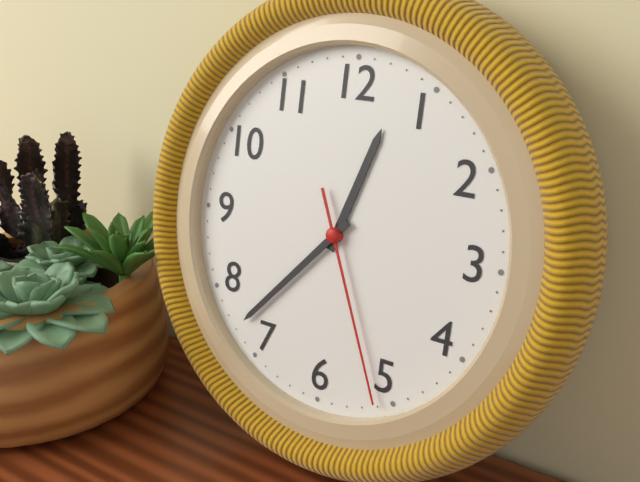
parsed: **12:37:26**
